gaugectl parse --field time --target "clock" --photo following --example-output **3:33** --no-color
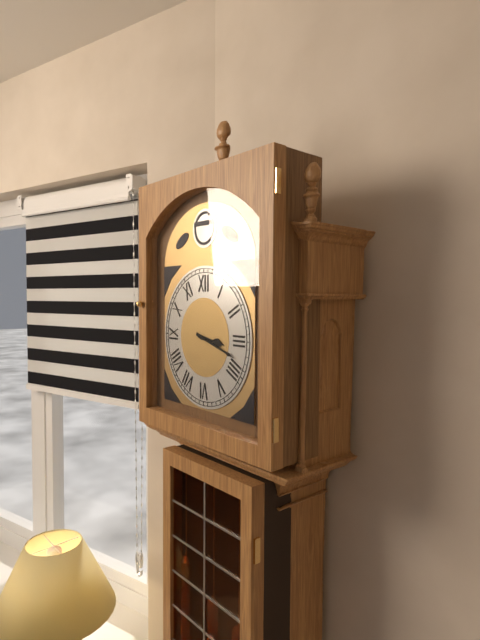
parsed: **3:18**
